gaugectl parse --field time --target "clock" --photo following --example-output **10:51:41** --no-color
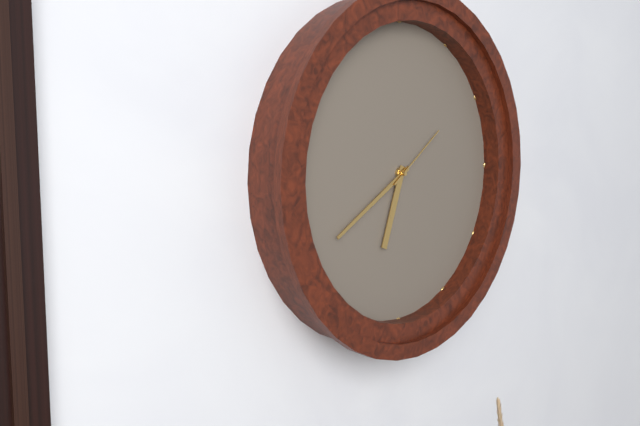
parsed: **6:40:09**
